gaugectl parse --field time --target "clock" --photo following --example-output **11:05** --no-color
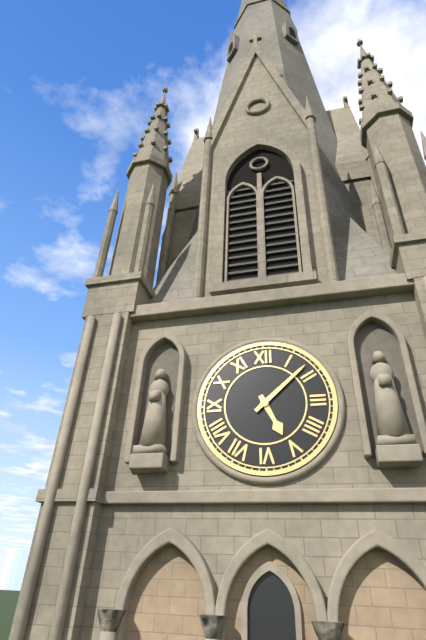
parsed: **5:08**
